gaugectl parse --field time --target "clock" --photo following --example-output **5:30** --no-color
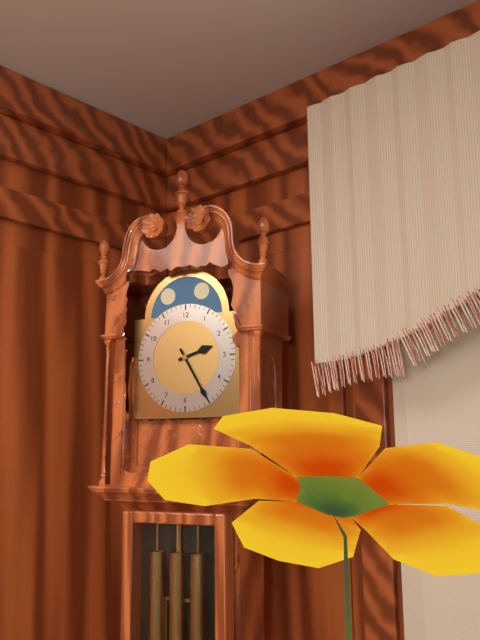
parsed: **2:25**
